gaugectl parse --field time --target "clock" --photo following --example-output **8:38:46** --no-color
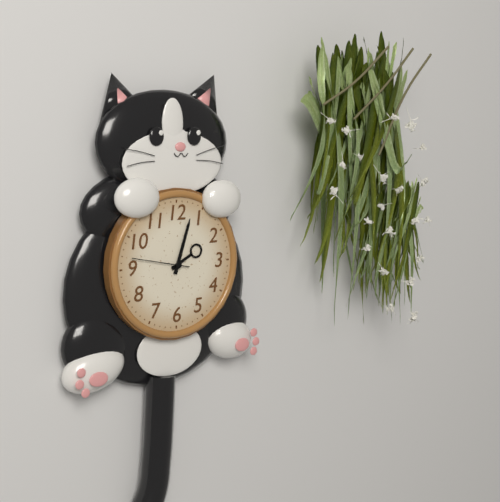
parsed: **2:03:47**
